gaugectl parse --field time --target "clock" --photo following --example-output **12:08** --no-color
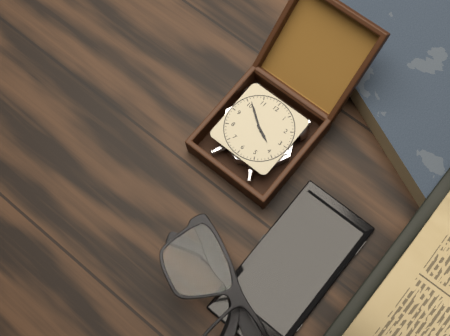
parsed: **3:51**
